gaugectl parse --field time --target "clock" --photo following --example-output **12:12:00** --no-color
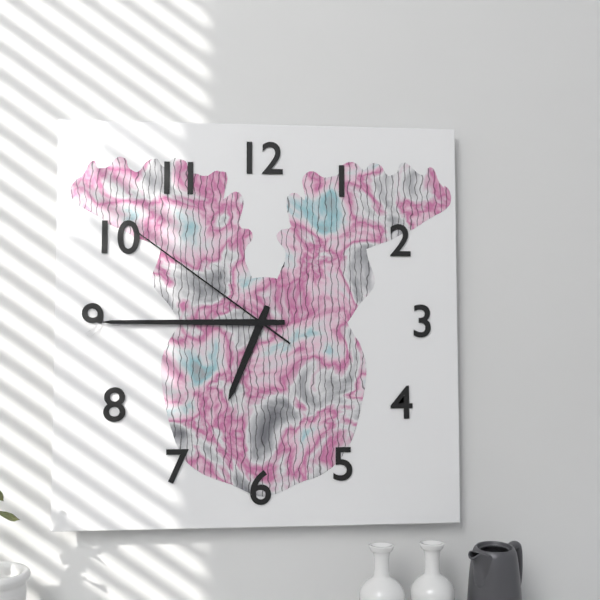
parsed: **6:45:51**
